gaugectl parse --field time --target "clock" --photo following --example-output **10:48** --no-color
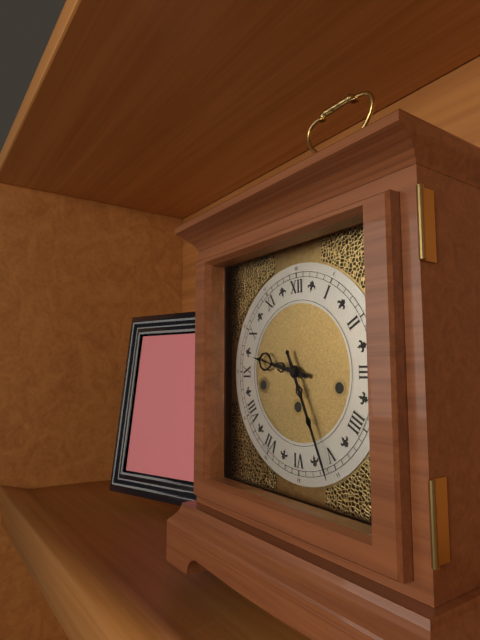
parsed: **9:26**
